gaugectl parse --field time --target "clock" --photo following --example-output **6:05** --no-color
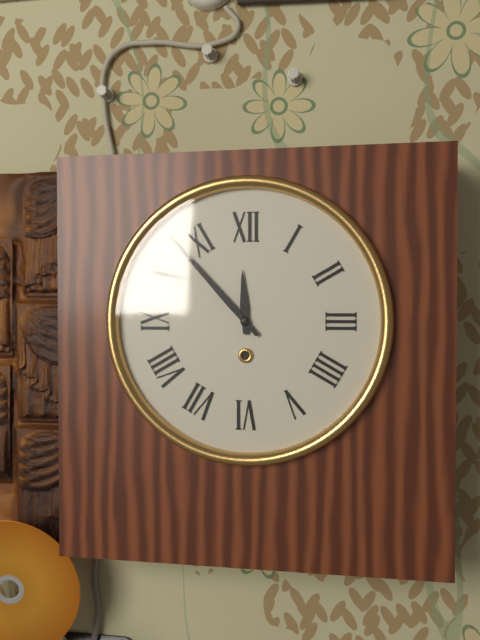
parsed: **11:53**
